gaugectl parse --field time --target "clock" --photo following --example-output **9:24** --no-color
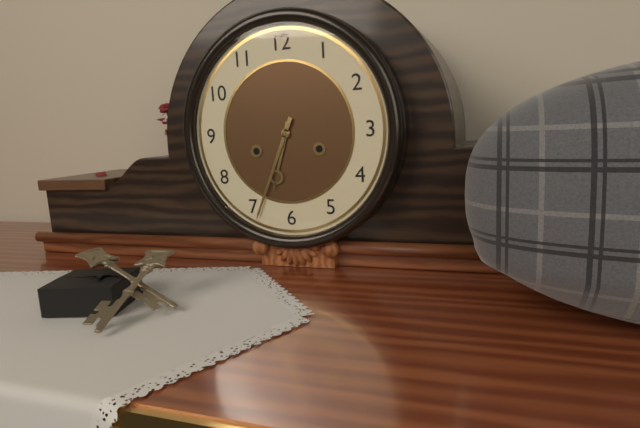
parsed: **6:34**
